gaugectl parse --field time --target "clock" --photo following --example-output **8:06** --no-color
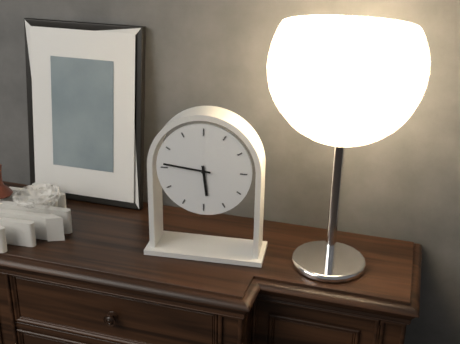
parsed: **5:46**
